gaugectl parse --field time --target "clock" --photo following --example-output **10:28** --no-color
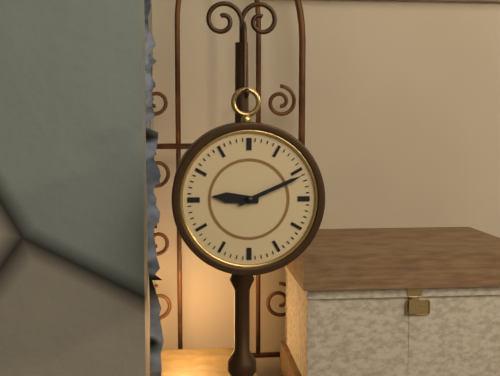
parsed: **9:11**
